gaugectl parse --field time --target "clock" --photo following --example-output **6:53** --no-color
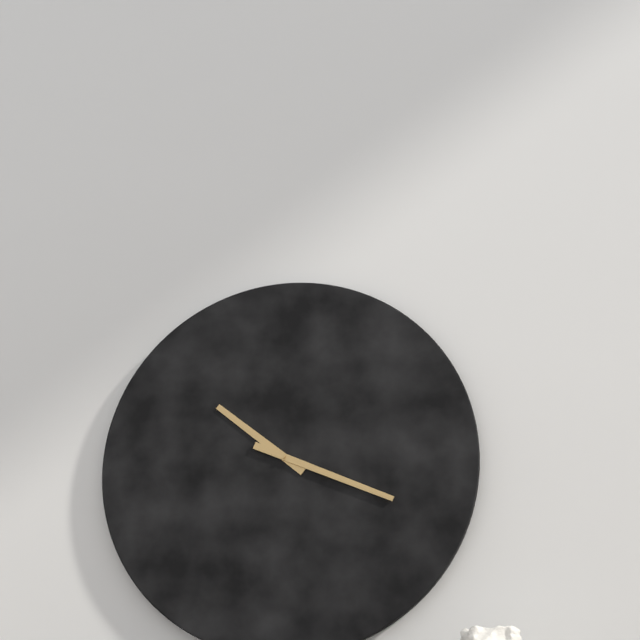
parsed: **10:19**
